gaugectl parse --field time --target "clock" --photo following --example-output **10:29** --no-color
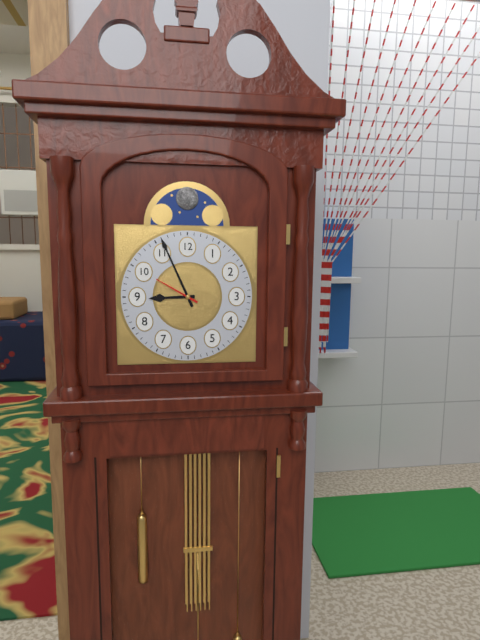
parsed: **8:56**
